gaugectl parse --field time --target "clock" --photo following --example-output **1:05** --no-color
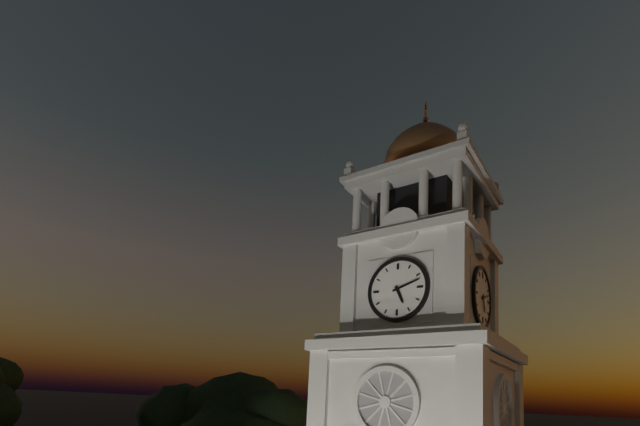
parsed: **5:12**
